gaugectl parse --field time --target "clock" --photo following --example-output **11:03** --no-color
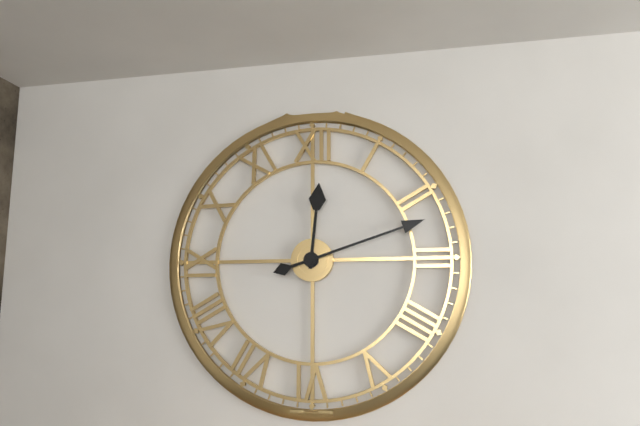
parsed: **12:12**
